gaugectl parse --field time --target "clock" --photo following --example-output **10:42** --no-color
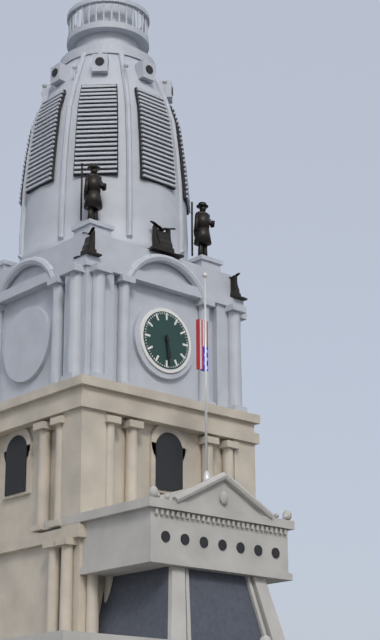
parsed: **5:29**
